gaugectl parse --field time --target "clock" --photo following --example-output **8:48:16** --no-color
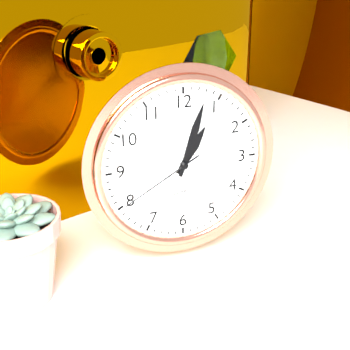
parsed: **1:03:40**
